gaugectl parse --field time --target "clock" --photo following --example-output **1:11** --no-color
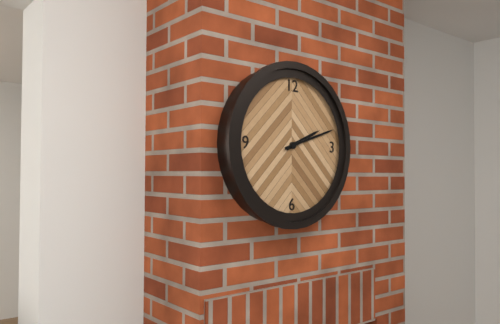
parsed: **2:12**
